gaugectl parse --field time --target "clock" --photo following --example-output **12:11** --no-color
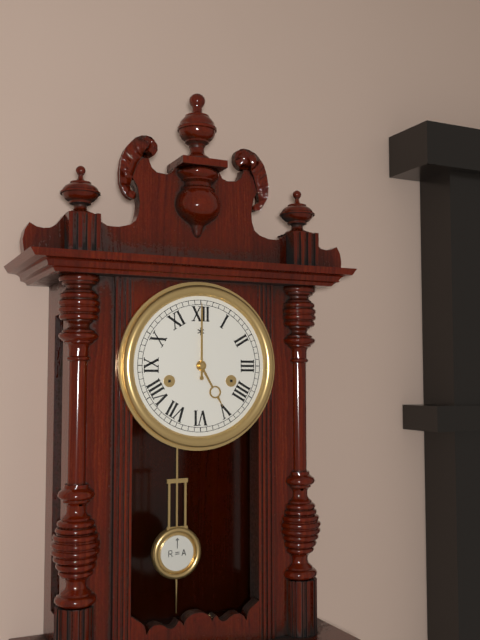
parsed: **5:00**
